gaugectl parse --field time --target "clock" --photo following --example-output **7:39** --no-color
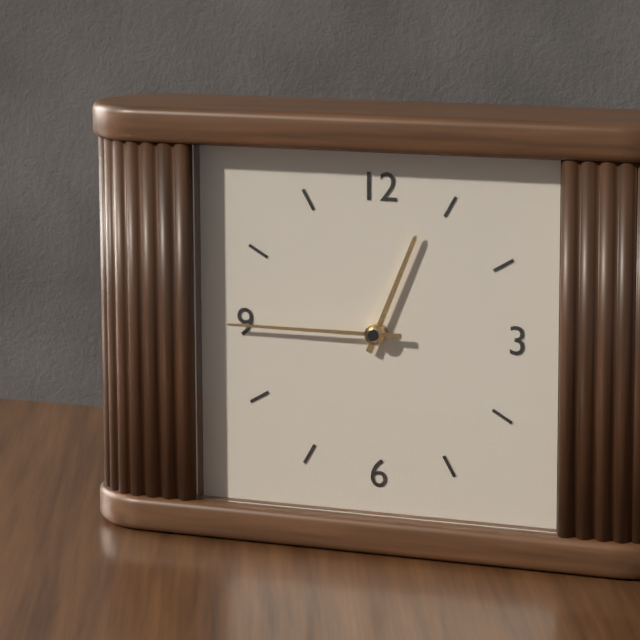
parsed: **12:45**
